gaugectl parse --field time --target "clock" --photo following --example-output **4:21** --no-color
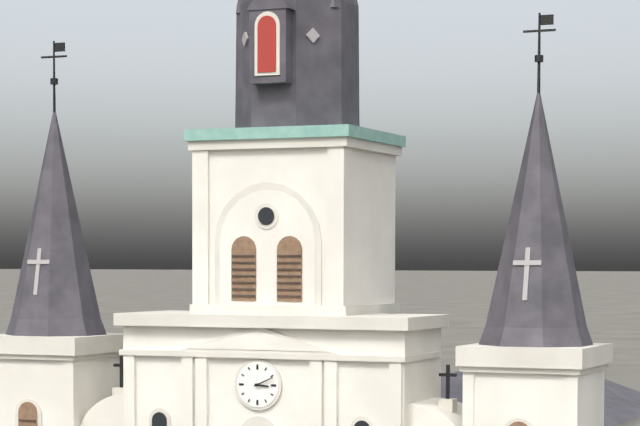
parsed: **3:11**
